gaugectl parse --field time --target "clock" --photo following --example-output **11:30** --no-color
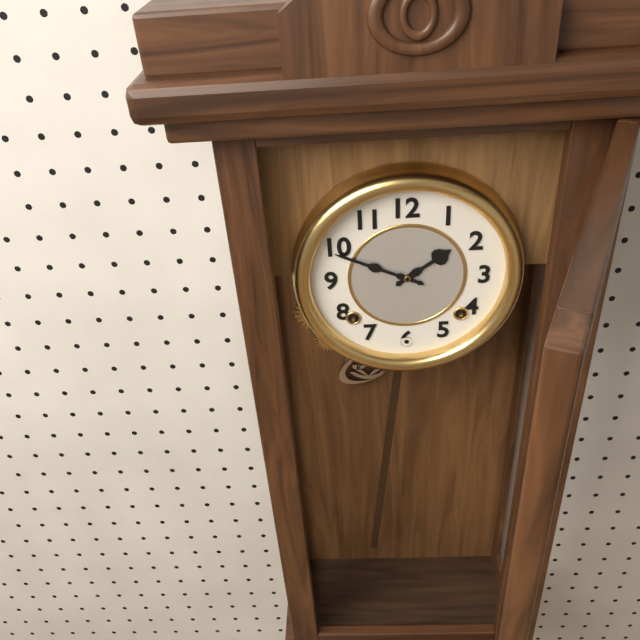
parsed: **1:49**
